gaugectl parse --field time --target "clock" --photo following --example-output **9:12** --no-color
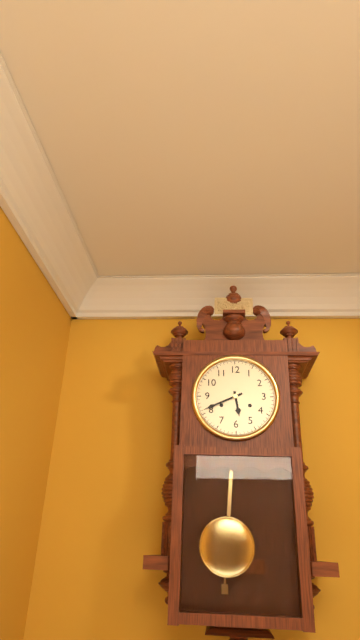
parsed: **5:41**
